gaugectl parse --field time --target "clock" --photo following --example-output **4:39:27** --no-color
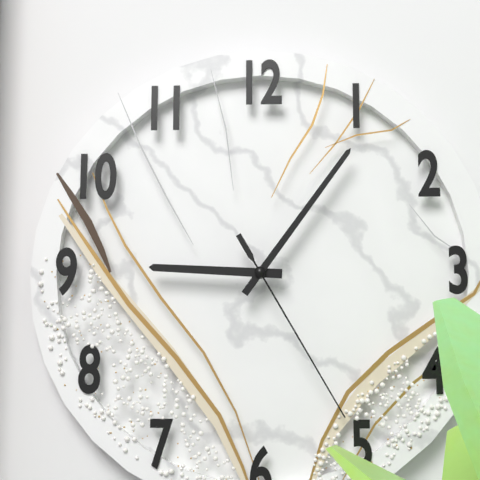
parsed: **9:06:25**
